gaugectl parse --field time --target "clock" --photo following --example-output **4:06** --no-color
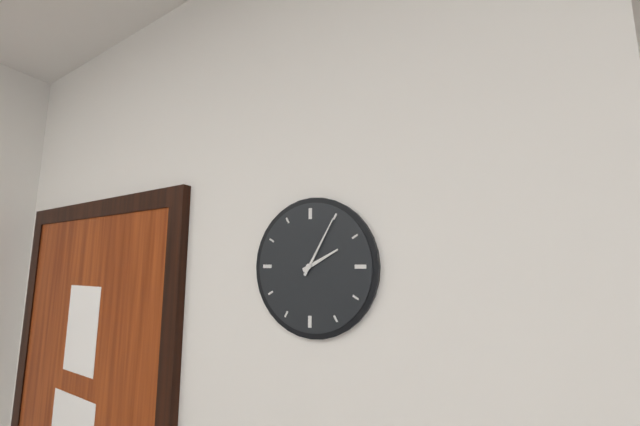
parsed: **2:05**
